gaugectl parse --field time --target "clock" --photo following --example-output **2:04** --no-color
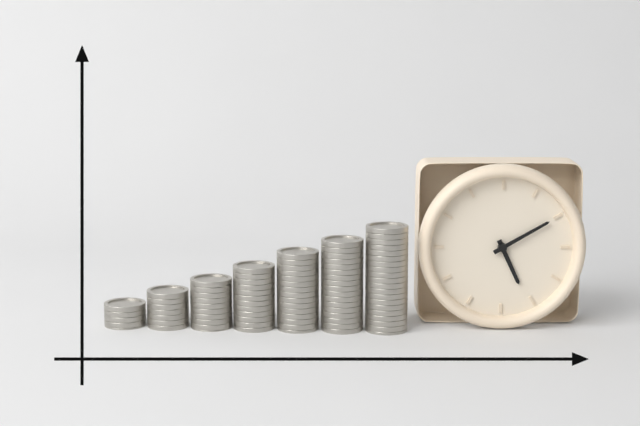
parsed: **5:10**
